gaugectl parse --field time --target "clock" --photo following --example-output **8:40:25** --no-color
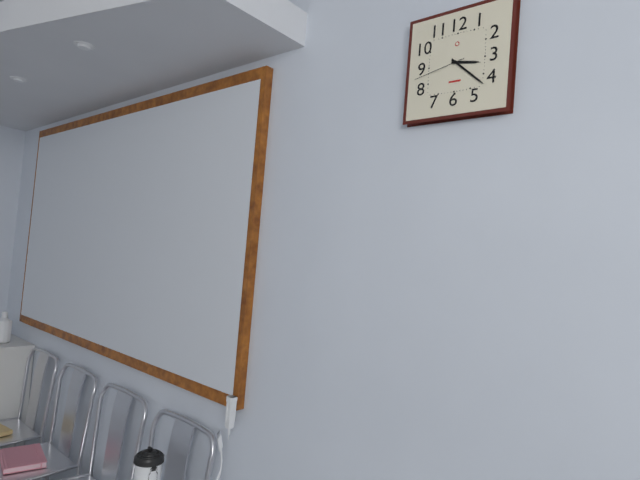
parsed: **3:22:43**
